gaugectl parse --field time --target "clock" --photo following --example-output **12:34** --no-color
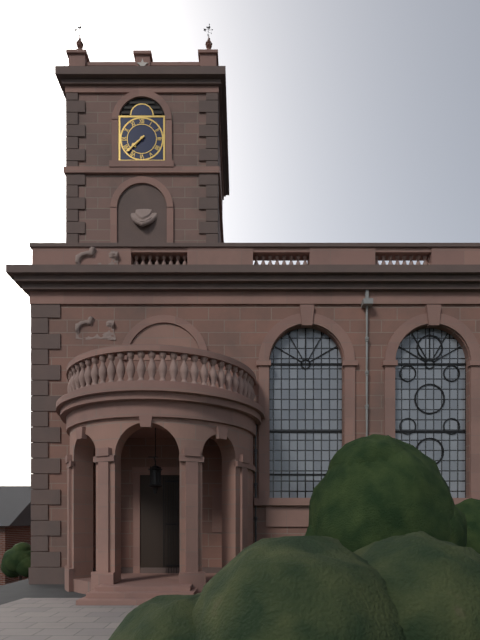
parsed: **7:38**
